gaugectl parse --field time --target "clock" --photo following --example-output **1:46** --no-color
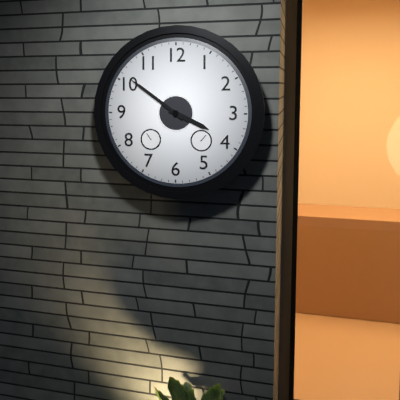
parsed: **3:51**
